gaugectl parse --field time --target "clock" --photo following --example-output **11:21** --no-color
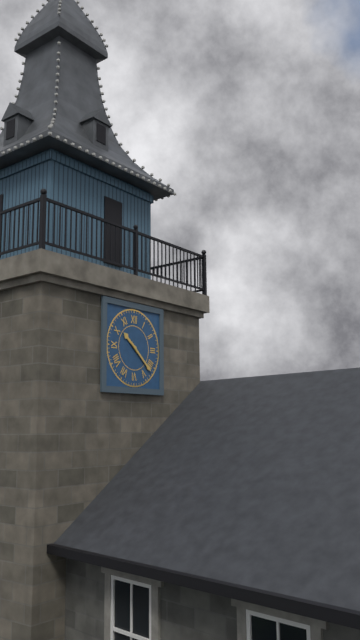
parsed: **10:22**
